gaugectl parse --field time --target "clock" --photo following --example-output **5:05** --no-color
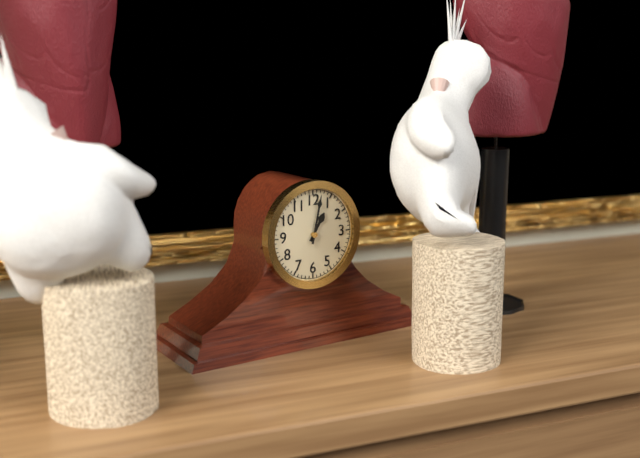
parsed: **1:02**
